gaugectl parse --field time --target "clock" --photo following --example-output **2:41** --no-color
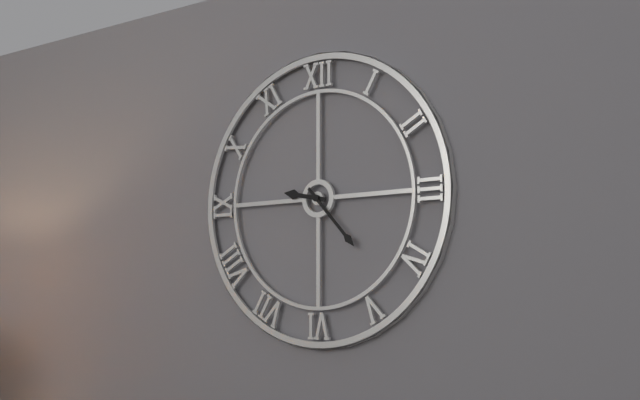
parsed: **9:23**
